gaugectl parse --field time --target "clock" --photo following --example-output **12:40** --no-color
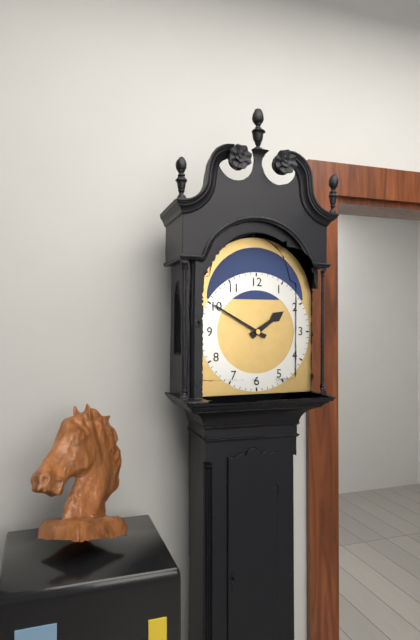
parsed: **1:50**
